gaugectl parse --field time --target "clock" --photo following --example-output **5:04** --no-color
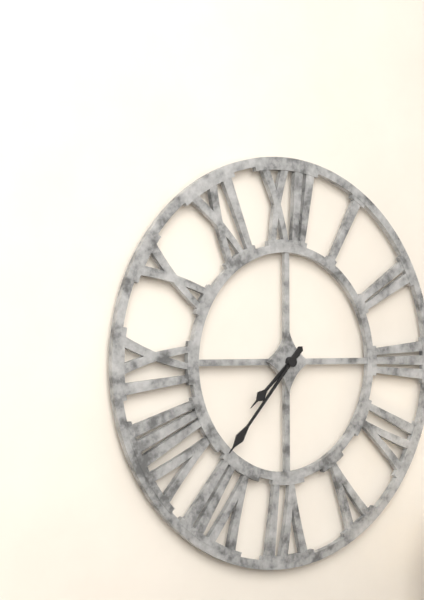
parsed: **7:37**
